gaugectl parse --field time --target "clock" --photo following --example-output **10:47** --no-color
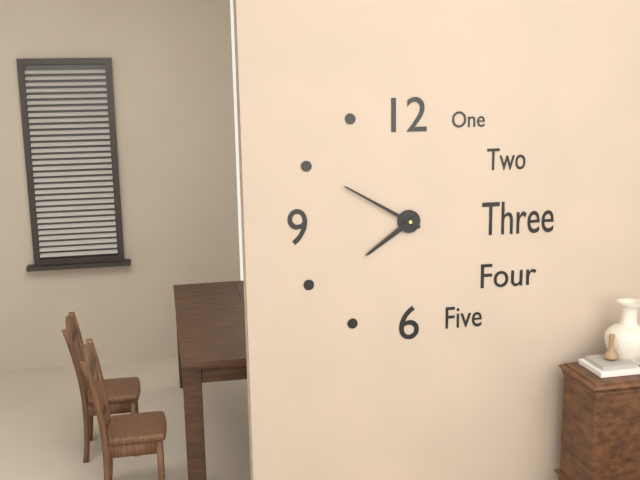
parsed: **7:50**
